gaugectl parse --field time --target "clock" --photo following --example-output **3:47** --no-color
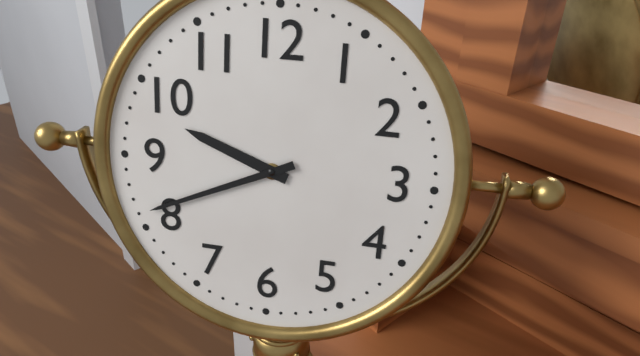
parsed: **9:41**
